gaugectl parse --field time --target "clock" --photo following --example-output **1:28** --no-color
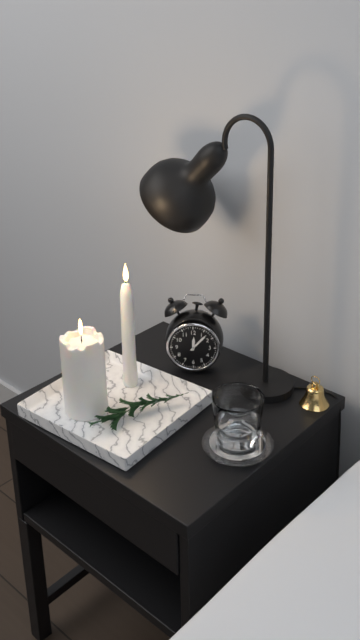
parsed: **12:07**
